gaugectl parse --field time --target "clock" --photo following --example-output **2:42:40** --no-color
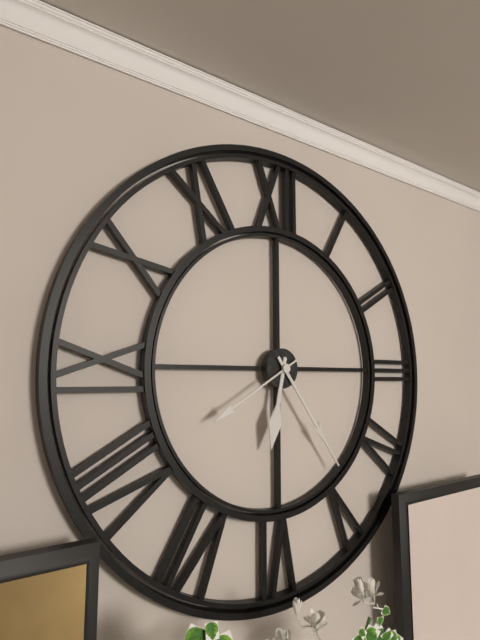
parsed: **6:24:40**
